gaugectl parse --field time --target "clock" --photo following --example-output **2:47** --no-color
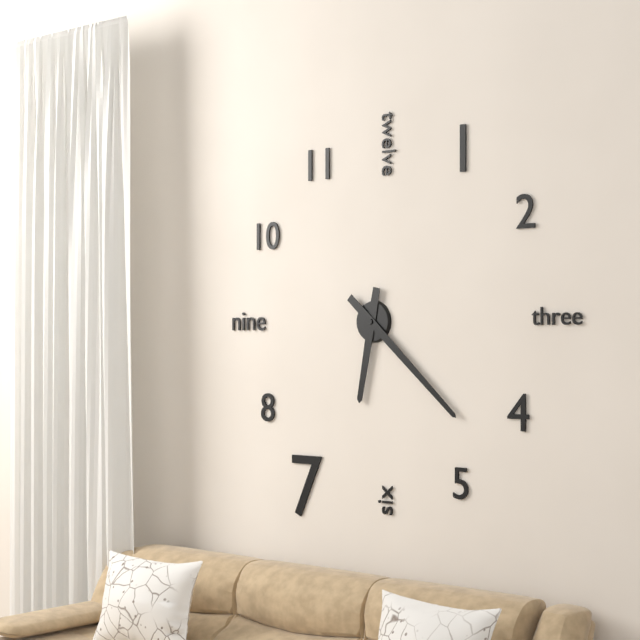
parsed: **6:22**
